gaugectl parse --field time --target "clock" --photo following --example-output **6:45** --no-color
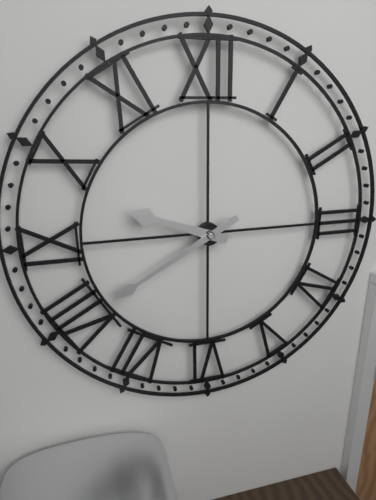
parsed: **9:40**
